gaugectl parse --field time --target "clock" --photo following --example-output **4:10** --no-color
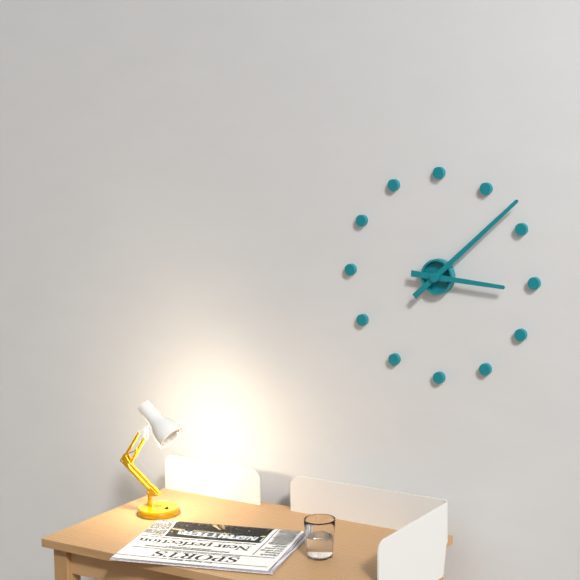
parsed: **3:08**
